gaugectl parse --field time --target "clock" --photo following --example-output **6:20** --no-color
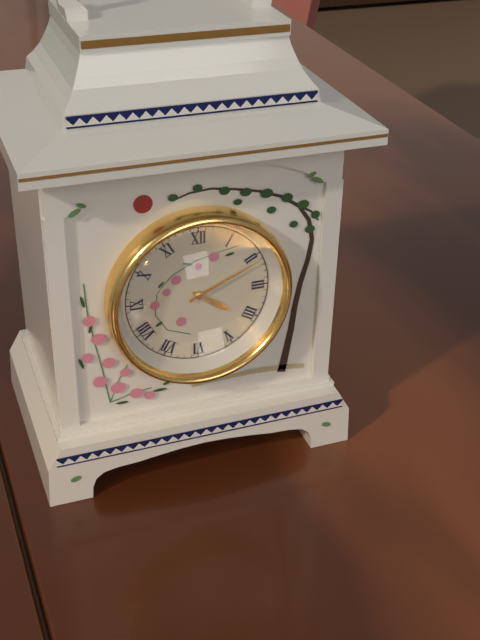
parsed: **4:11**
